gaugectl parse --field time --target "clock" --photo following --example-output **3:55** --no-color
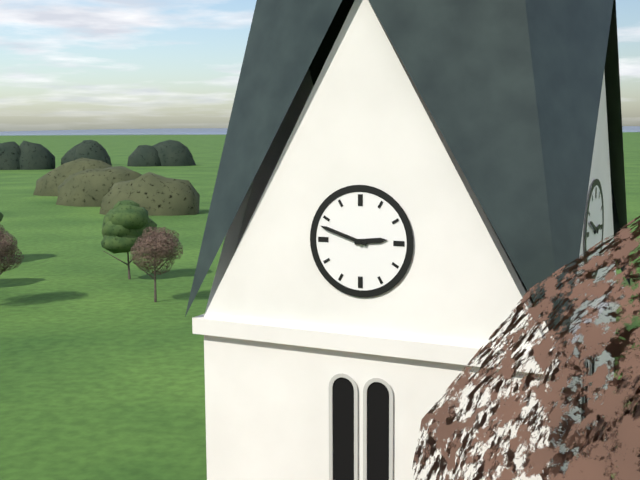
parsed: **2:48**
